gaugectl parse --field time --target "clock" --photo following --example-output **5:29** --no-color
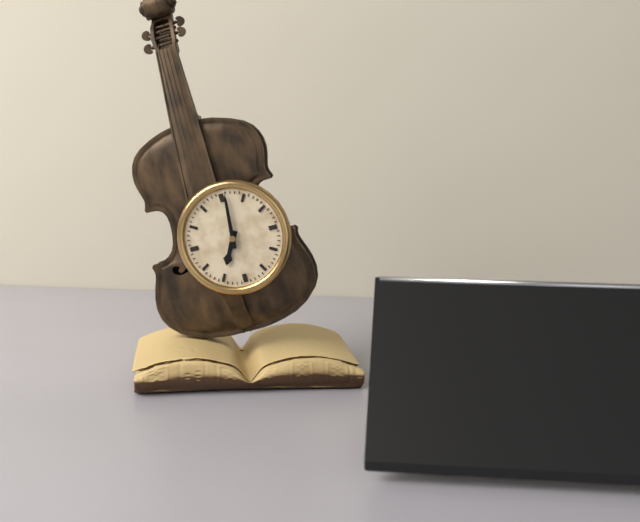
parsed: **7:01**
